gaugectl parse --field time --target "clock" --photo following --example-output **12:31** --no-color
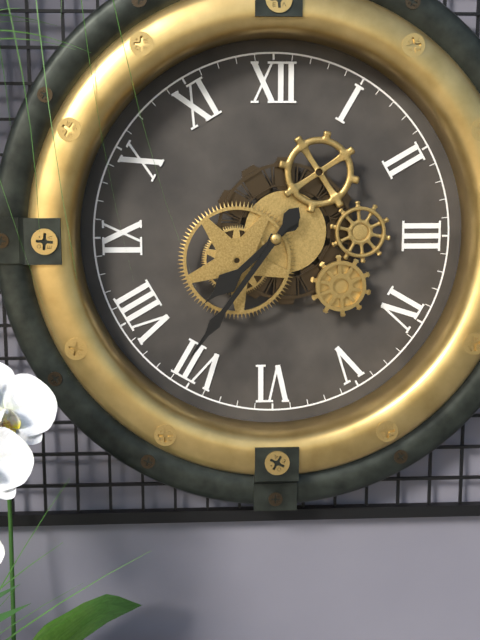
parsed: **7:36**
